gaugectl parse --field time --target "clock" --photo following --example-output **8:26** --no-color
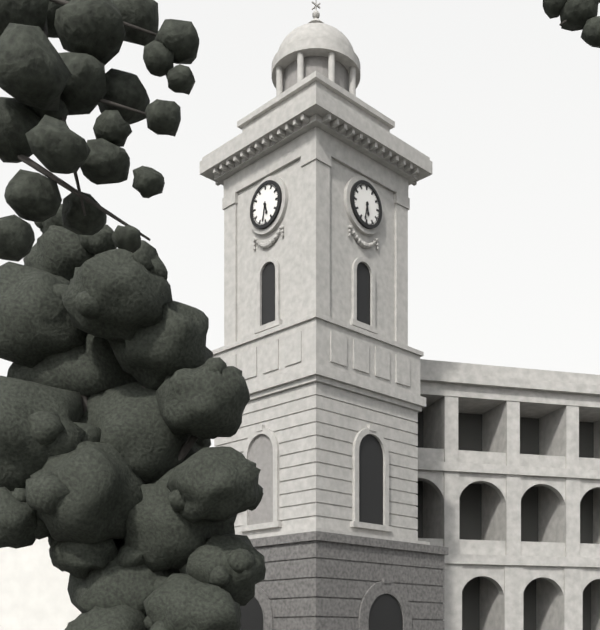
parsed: **5:32**
